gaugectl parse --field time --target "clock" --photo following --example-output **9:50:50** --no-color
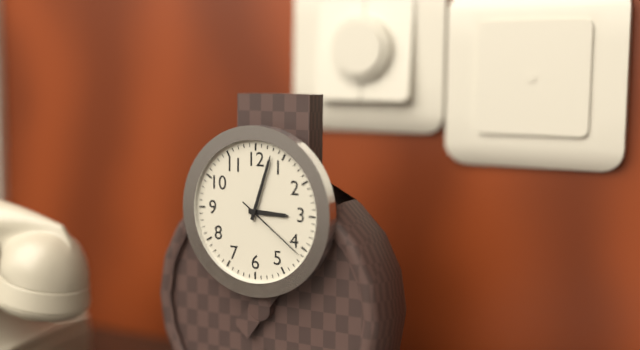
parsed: **3:03:21**
